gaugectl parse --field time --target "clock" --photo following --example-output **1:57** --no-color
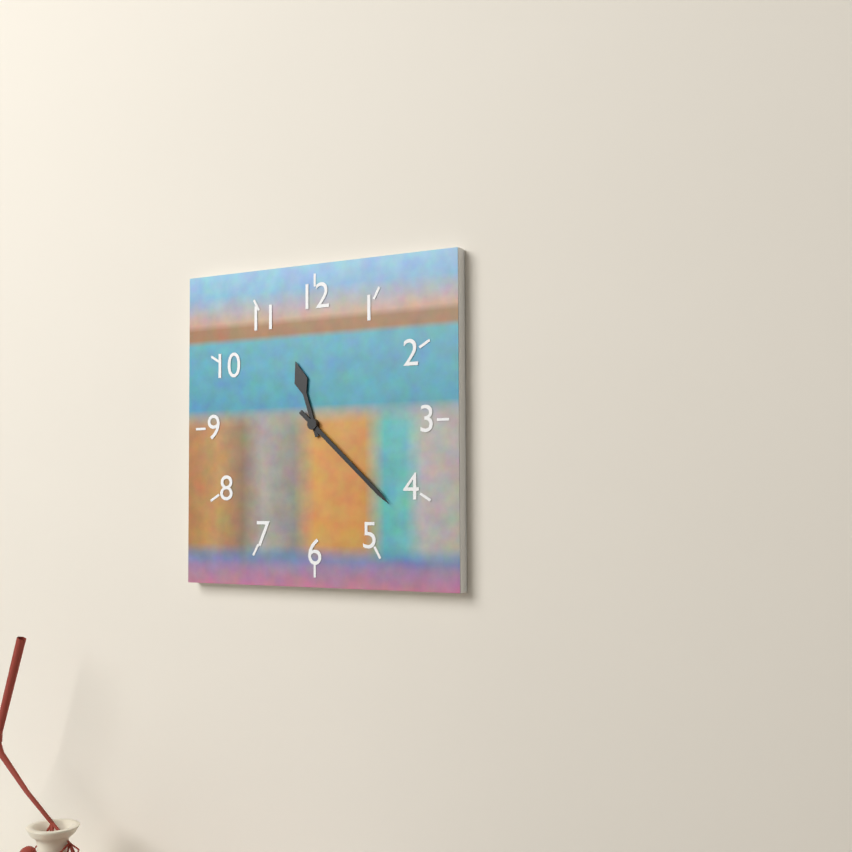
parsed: **11:22**
